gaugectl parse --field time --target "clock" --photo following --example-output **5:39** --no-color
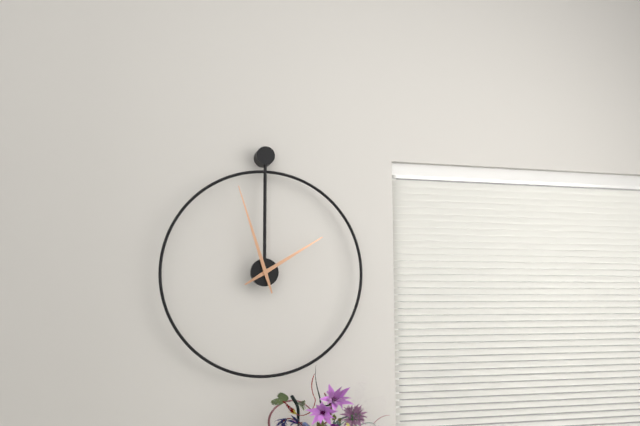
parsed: **1:57**
